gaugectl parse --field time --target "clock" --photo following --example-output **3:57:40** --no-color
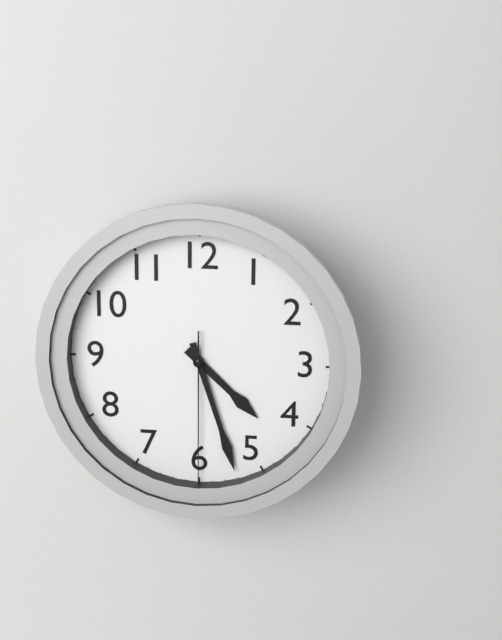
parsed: **4:27:30**
